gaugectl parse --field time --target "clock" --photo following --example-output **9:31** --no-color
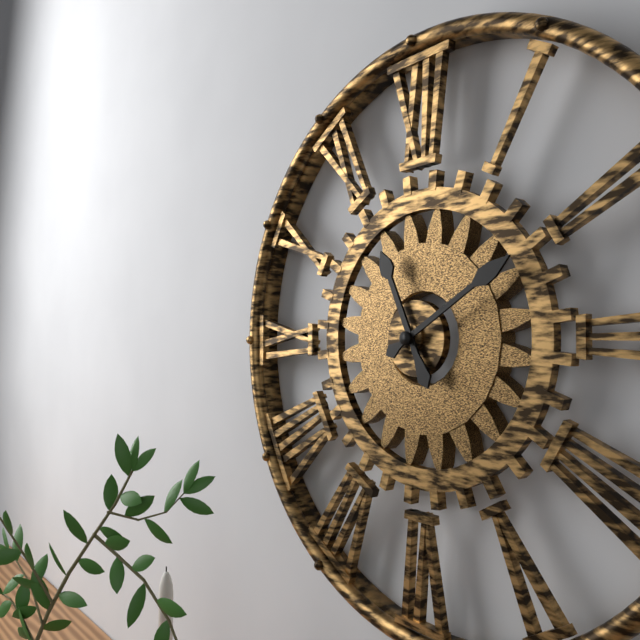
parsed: **11:10**
